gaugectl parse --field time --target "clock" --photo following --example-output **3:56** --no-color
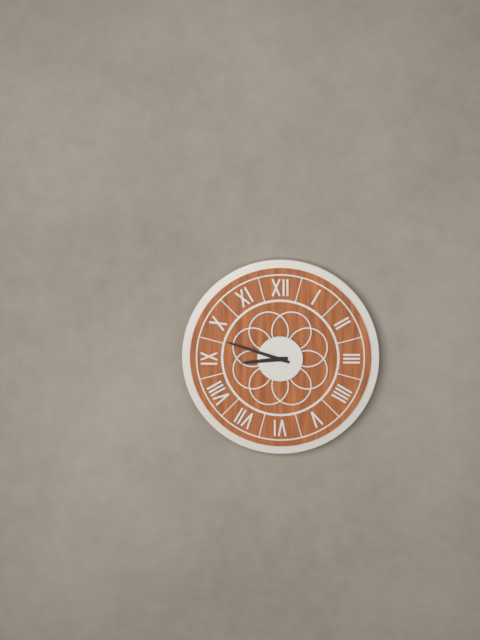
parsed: **8:48**
